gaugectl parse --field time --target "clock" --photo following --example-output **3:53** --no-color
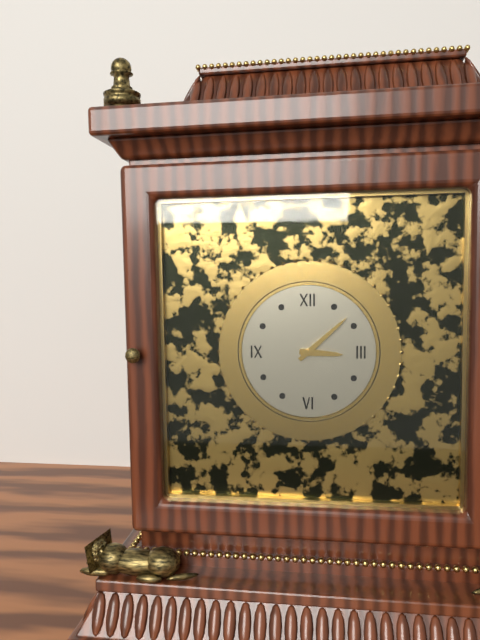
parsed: **3:08**
